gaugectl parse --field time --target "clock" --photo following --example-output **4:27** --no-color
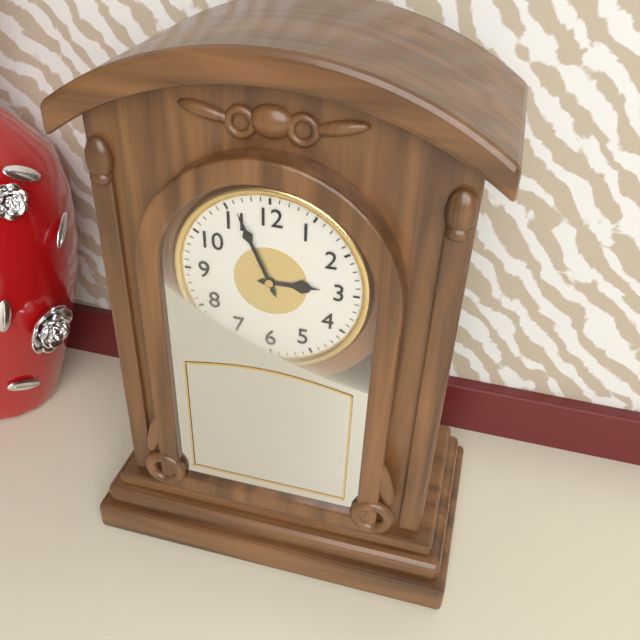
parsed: **2:56**
